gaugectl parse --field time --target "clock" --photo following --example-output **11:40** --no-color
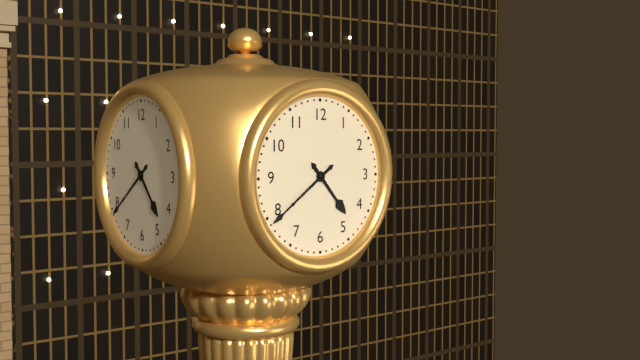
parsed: **4:39**
